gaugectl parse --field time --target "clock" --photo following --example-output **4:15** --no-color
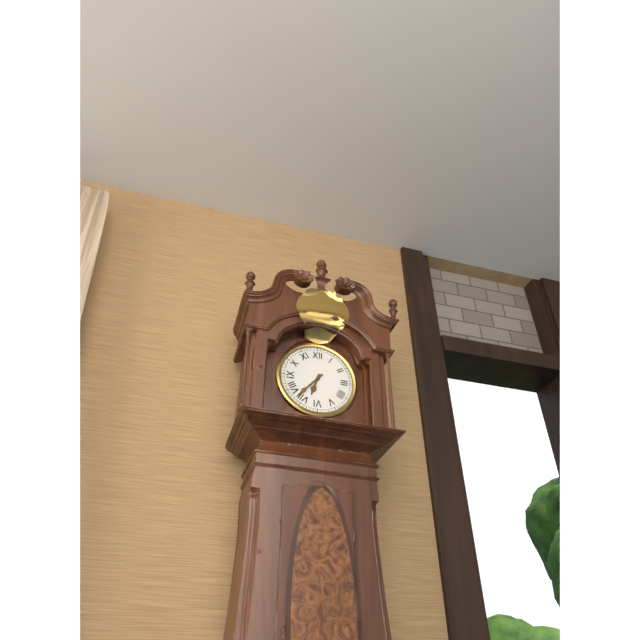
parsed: **6:37**
